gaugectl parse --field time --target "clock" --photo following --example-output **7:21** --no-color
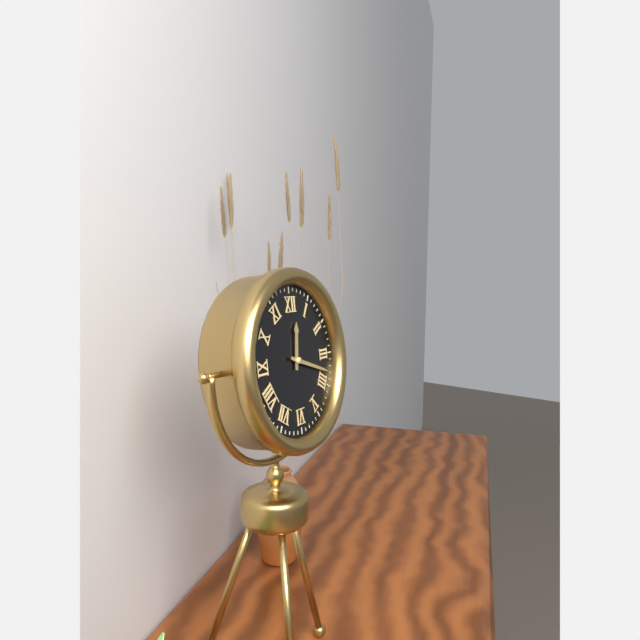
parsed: **12:18**
